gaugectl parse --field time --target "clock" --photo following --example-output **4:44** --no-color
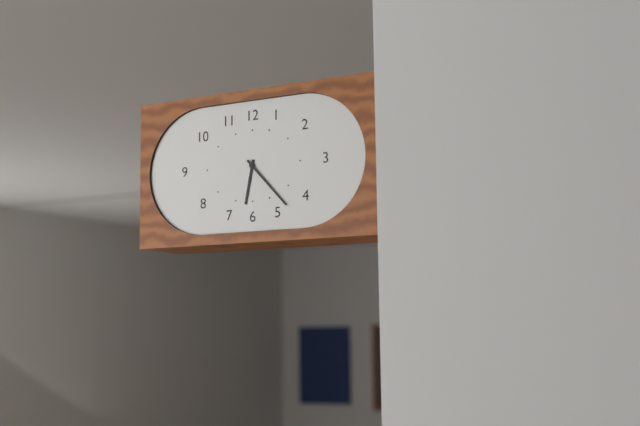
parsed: **6:23**
